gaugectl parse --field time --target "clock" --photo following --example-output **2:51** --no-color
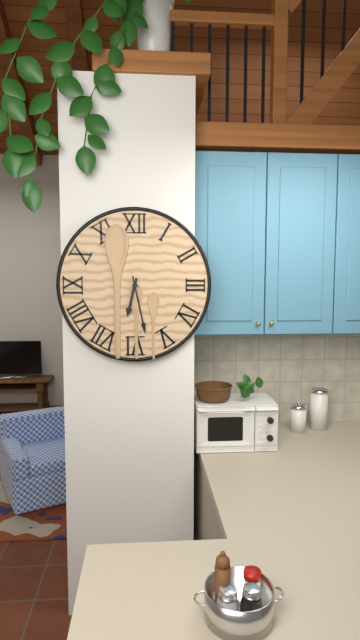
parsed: **6:28**
